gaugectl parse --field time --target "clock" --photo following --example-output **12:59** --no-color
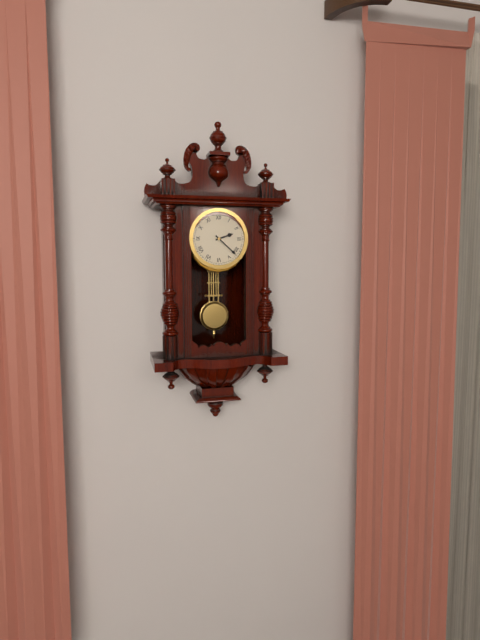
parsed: **2:22**
